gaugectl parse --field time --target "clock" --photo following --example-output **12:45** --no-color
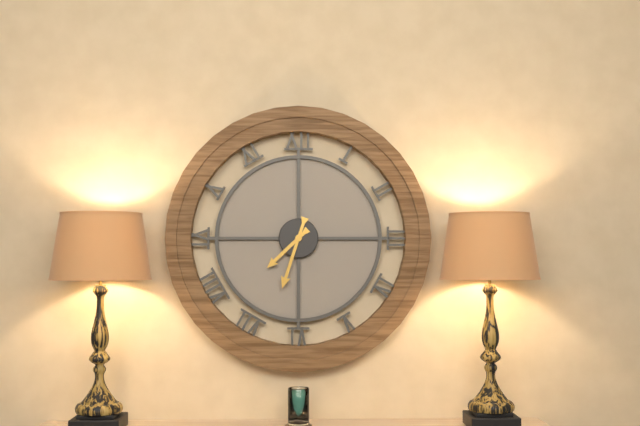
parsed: **7:33**
